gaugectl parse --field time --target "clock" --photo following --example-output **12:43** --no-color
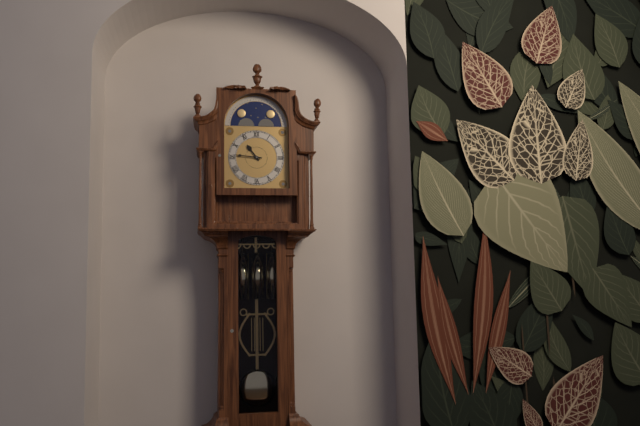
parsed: **10:46**
